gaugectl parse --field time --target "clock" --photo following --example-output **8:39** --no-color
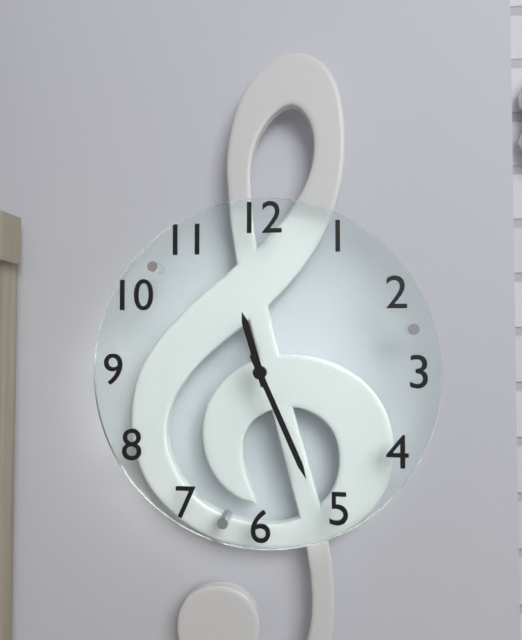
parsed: **11:26**
